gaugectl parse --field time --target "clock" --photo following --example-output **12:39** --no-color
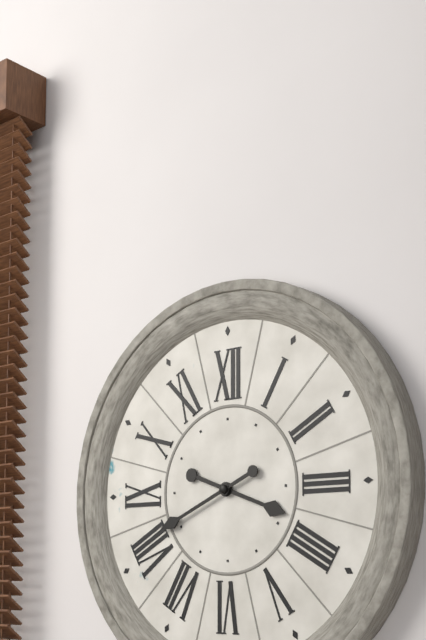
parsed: **3:41**
